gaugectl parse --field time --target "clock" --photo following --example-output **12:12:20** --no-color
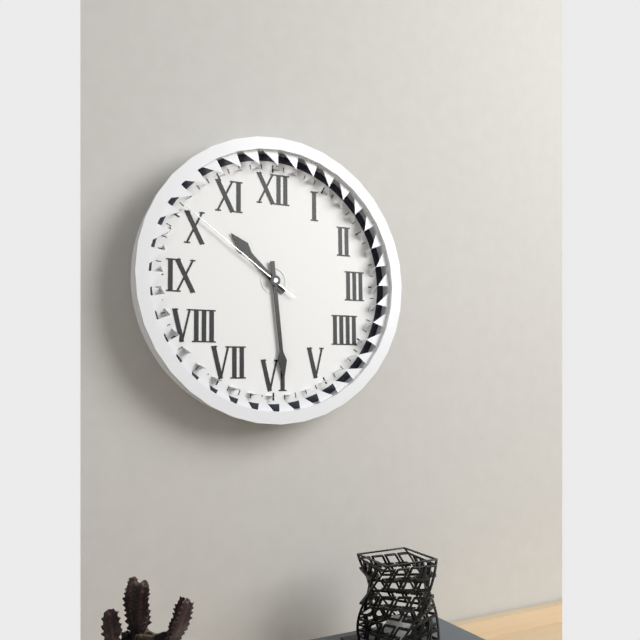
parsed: **10:29:51**
